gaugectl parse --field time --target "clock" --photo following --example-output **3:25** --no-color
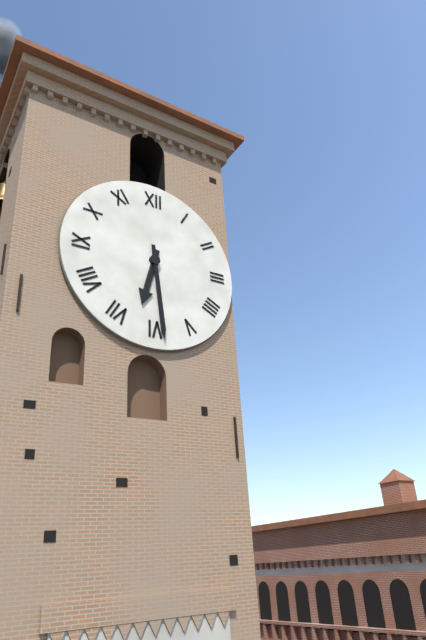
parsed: **6:29**
